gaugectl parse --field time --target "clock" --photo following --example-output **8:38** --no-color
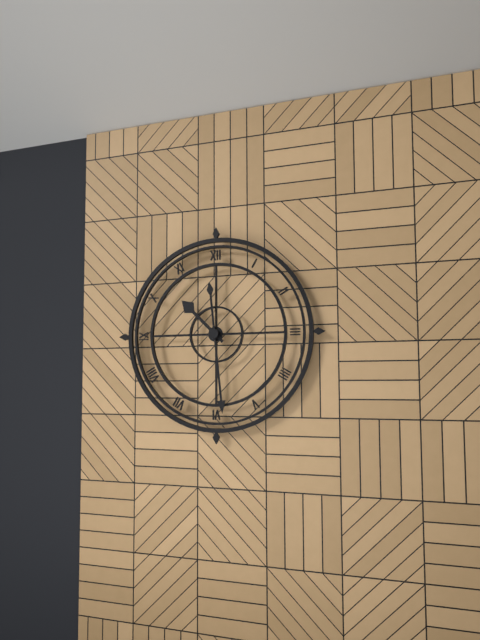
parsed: **10:29**
